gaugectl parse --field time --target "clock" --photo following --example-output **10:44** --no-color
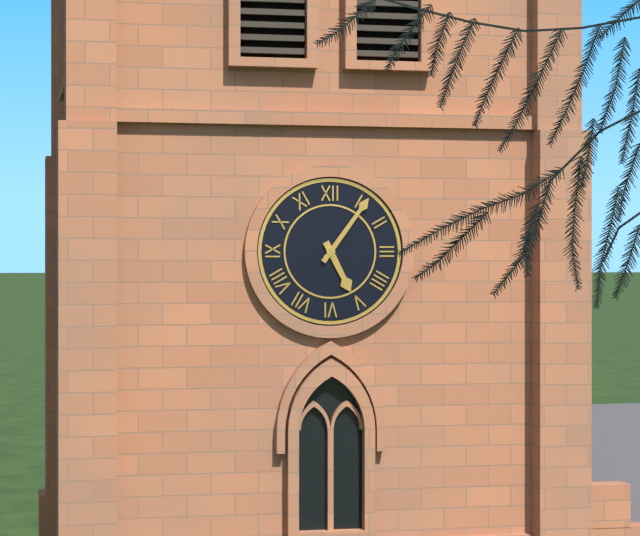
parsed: **5:06**
